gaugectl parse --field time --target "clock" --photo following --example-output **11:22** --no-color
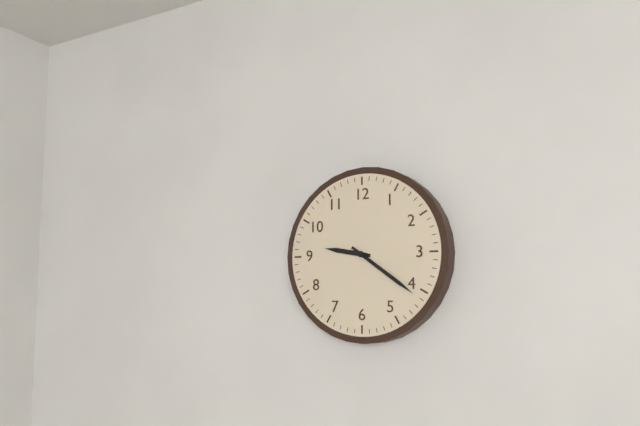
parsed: **9:21**
